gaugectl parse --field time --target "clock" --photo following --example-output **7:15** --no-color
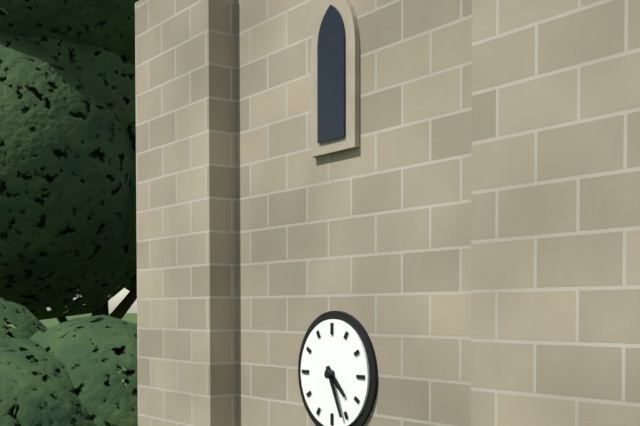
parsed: **4:26**
